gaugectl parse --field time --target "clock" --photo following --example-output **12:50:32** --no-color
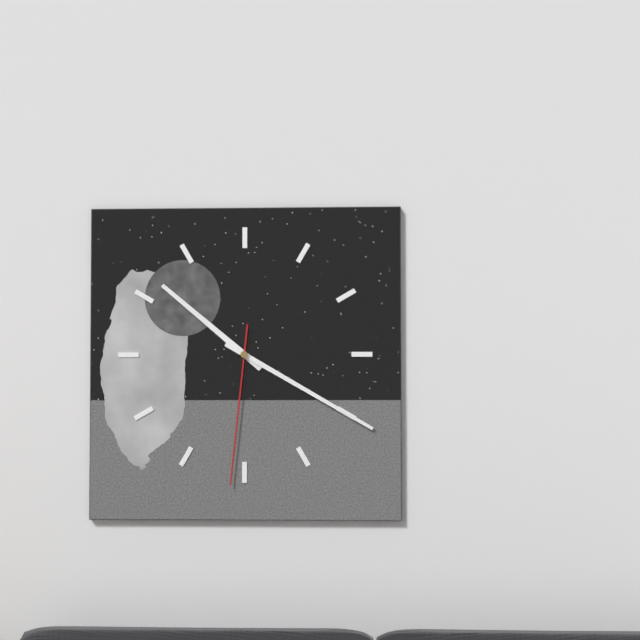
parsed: **10:20:31**
